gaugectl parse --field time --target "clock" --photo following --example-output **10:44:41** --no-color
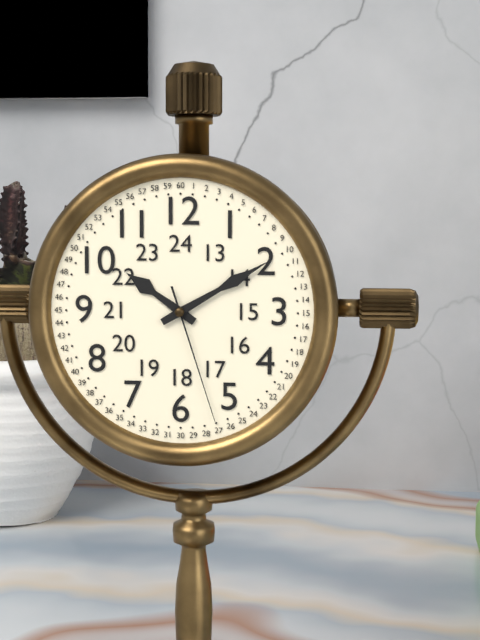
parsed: **10:10:27**
